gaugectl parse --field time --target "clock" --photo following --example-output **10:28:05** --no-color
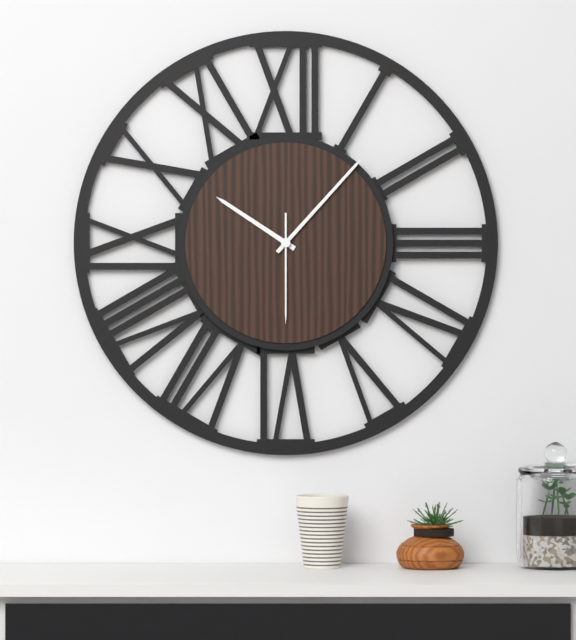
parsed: **10:07:30**
